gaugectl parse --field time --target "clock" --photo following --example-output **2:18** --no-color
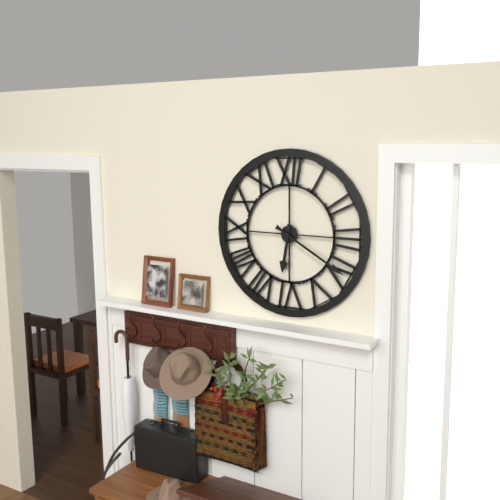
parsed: **6:20**
